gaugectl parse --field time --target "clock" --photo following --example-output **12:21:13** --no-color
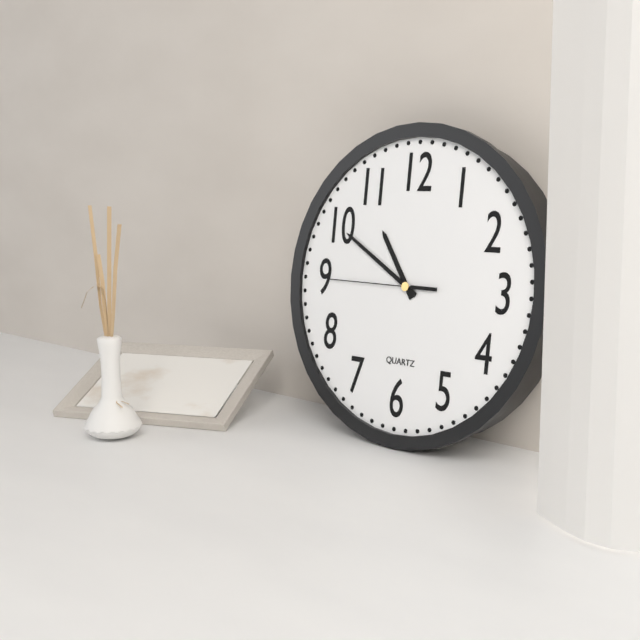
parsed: **10:50:45**
